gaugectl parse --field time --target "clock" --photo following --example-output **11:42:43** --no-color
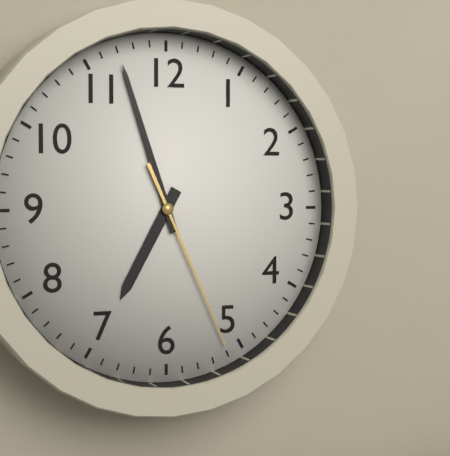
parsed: **6:57:26**
